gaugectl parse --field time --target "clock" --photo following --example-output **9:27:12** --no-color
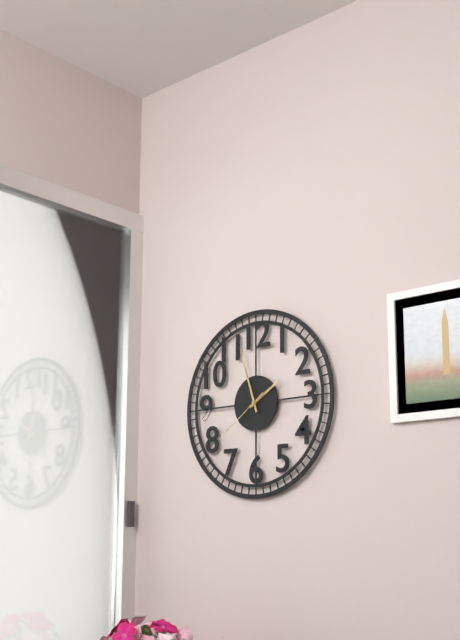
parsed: **1:57:39**
